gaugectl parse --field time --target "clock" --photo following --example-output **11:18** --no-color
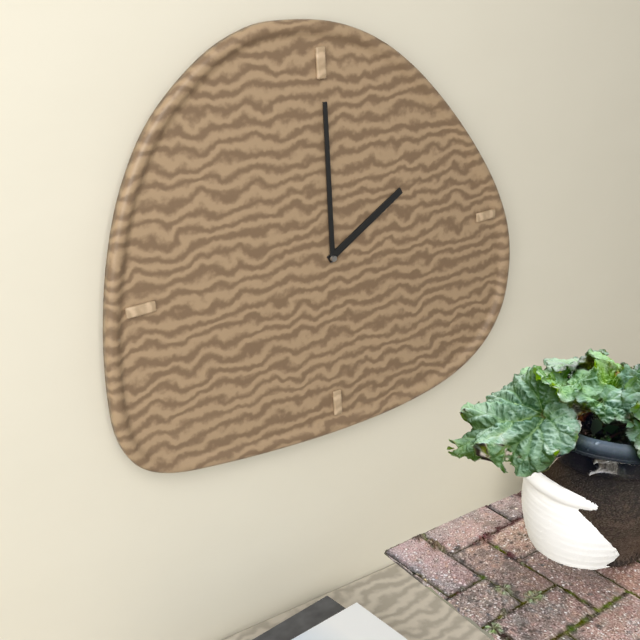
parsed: **2:00**
